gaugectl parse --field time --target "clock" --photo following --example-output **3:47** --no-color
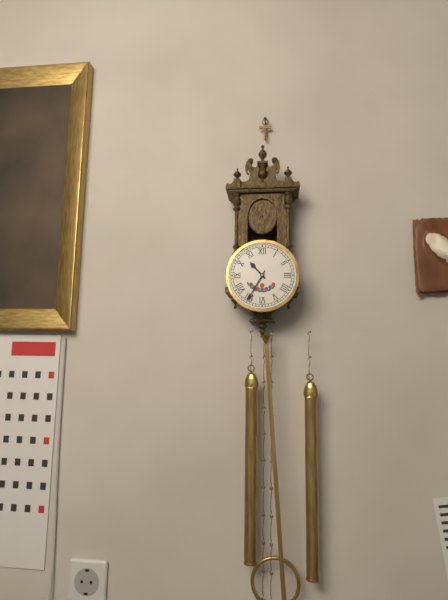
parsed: **10:35**
